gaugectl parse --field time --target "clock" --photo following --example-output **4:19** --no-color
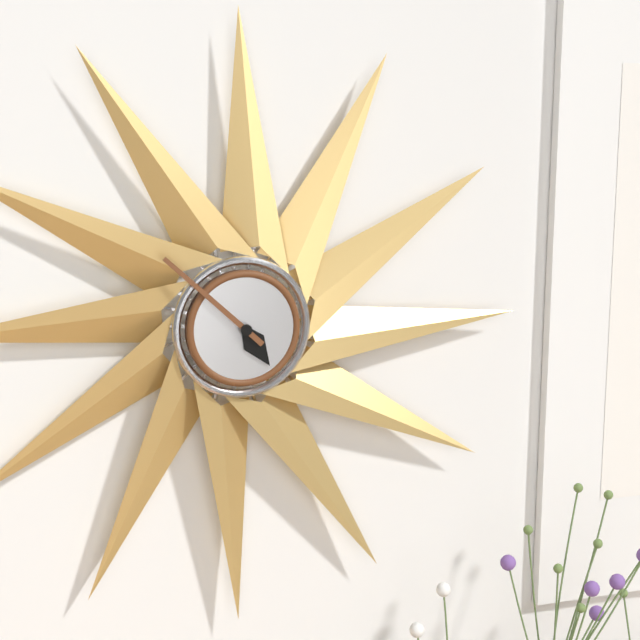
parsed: **4:52**
